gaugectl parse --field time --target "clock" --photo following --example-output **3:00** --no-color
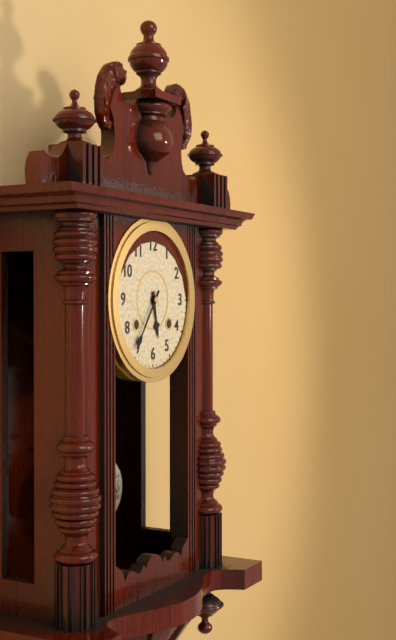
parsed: **5:36**
